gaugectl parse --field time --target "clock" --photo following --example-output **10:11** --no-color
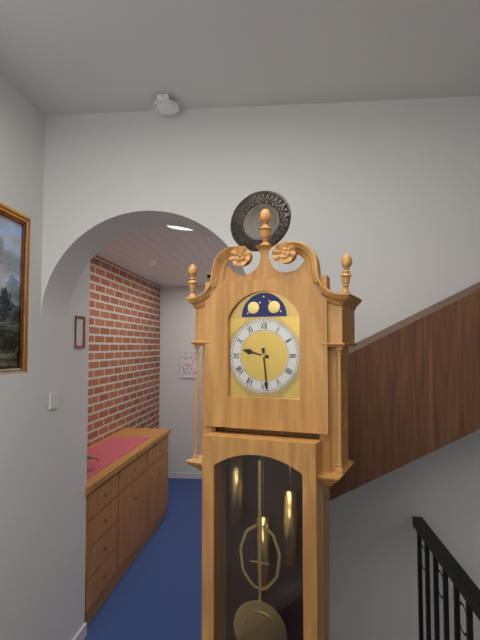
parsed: **9:29**
